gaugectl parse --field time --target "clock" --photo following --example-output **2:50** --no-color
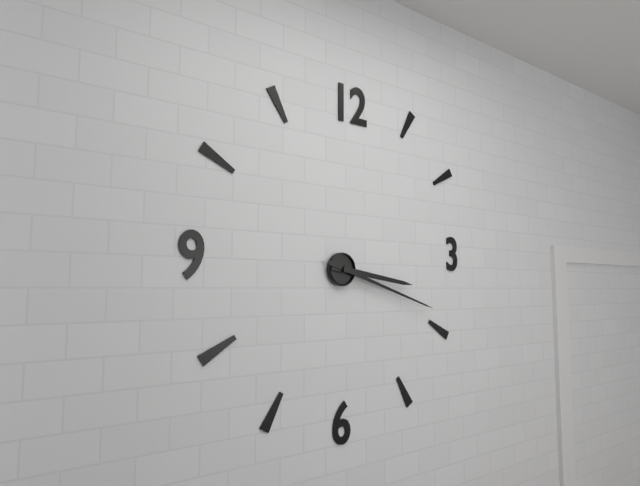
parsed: **3:18**
